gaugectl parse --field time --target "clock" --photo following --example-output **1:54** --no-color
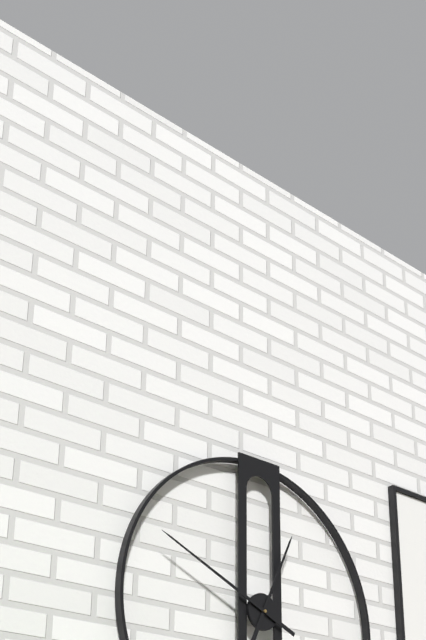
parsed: **12:49**
